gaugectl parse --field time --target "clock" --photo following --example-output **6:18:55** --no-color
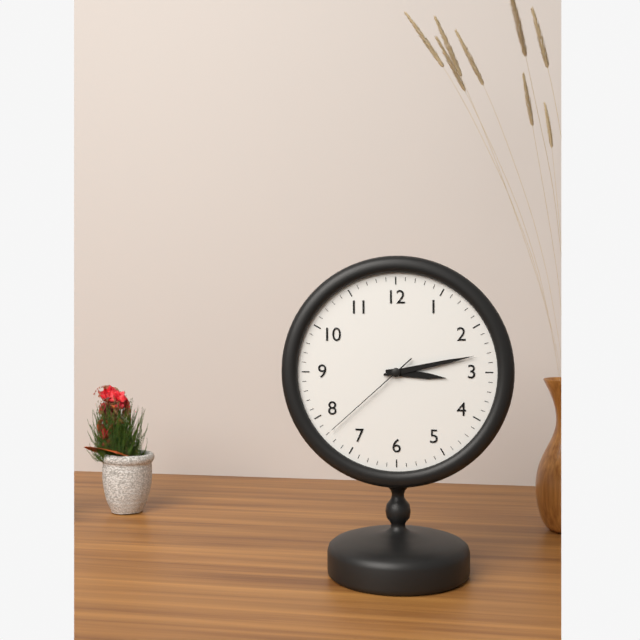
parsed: **3:13:38**
